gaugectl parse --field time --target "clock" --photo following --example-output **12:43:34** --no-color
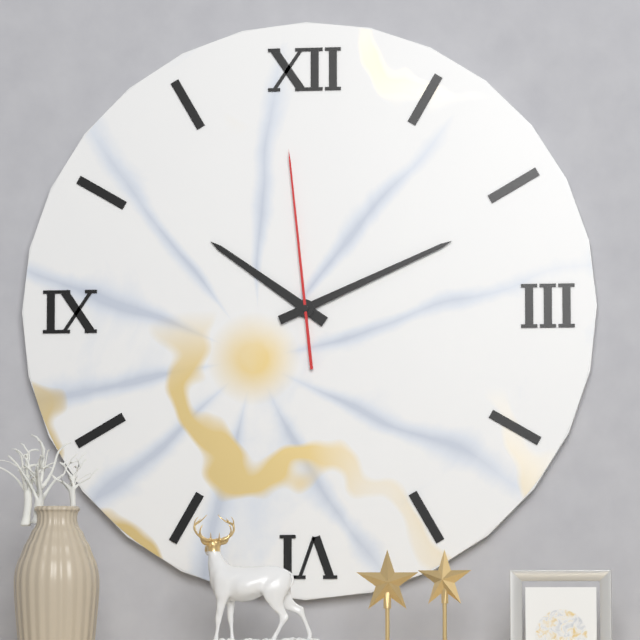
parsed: **10:11:59**
